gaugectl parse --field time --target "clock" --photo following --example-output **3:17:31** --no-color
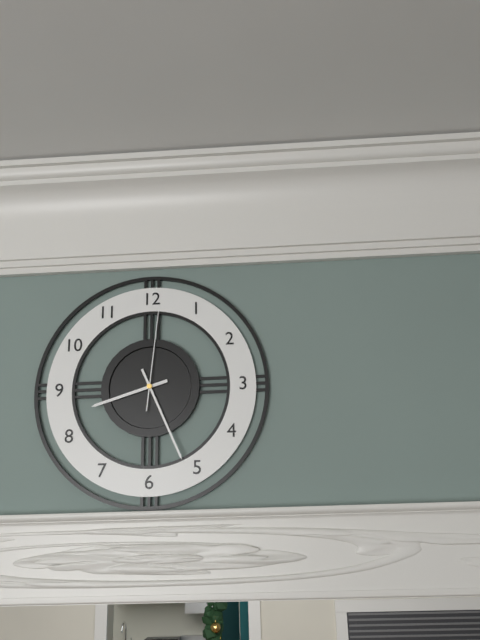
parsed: **8:26:01**
